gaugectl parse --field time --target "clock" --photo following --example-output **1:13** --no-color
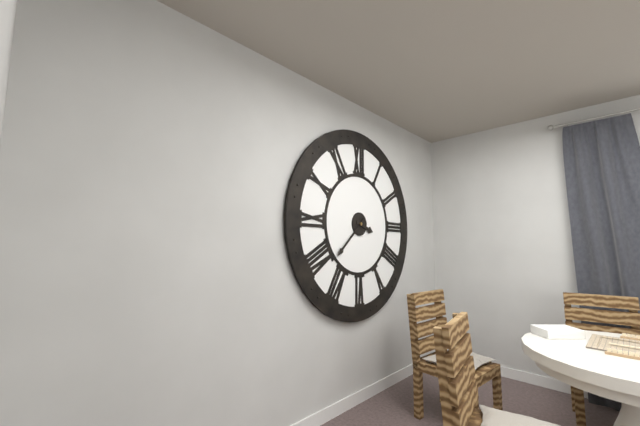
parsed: **3:38**
